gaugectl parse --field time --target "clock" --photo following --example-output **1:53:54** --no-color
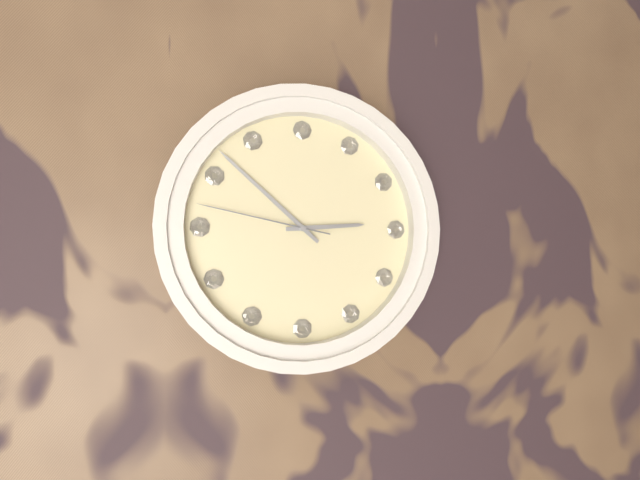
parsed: **2:52:47**
